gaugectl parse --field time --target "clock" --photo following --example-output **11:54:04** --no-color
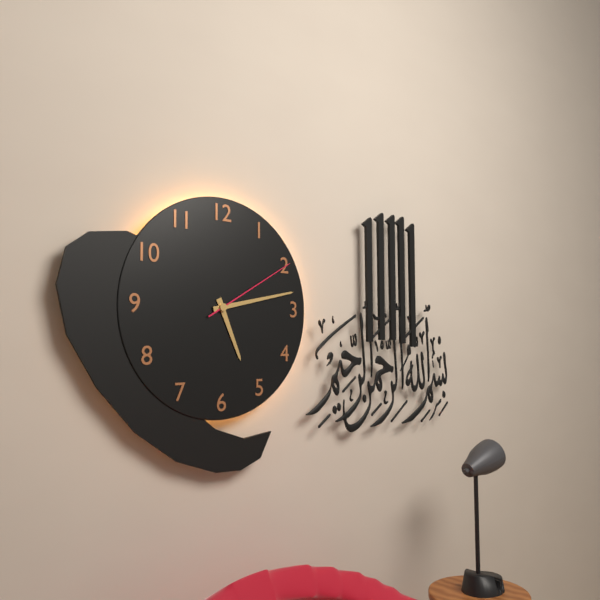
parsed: **5:13:10**
